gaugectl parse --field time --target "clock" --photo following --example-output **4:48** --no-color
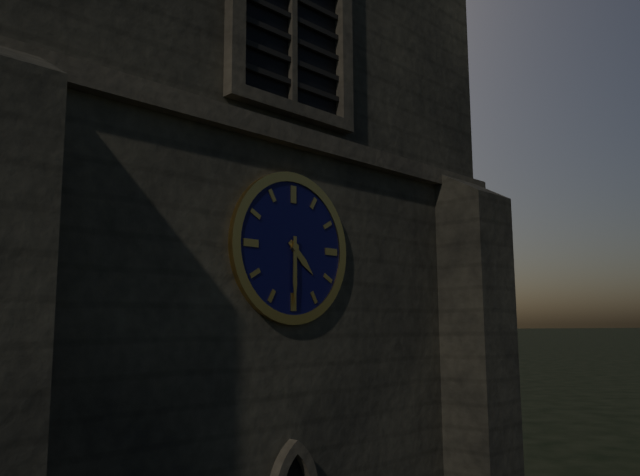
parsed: **4:30**
